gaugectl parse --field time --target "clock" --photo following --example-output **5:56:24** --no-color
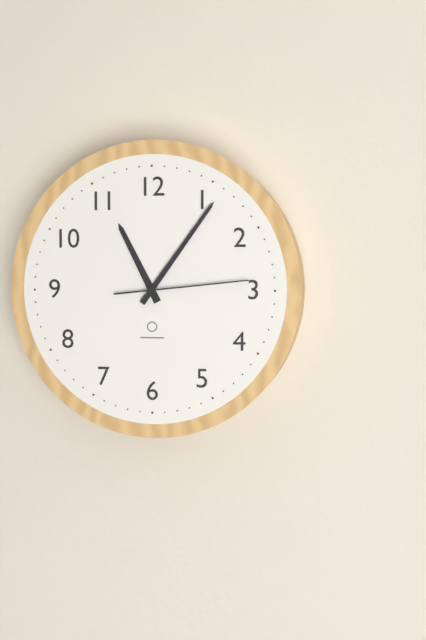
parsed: **11:06:14**
